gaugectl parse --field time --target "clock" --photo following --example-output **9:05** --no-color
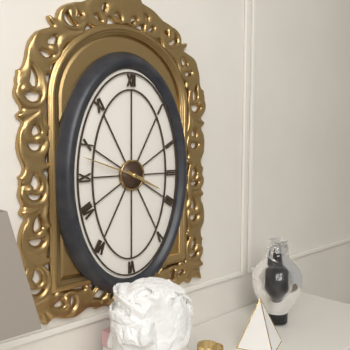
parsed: **3:48**
